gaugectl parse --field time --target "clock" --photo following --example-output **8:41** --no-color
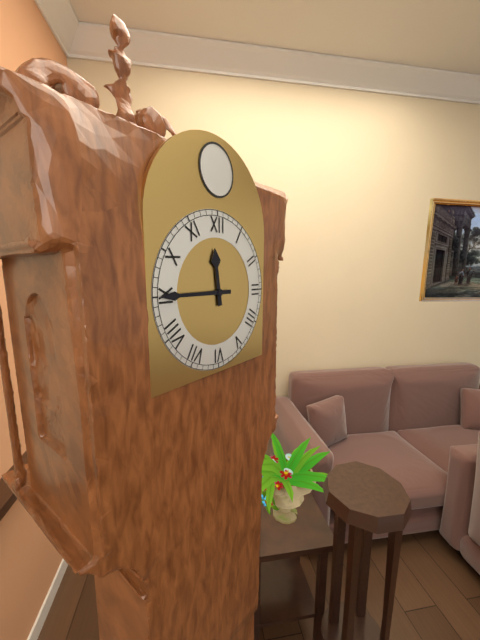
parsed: **11:45**
